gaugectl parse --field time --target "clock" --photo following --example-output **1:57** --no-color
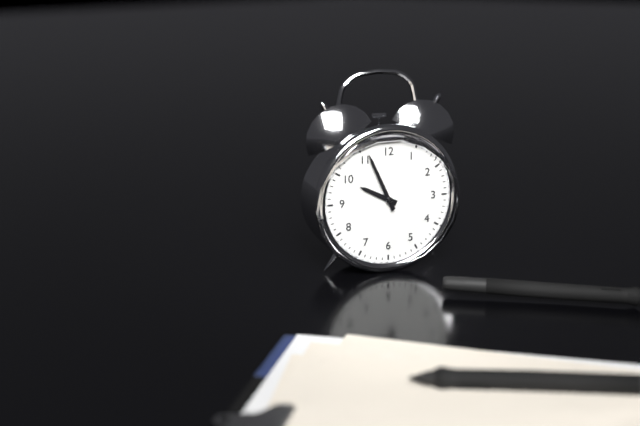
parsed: **9:56**
